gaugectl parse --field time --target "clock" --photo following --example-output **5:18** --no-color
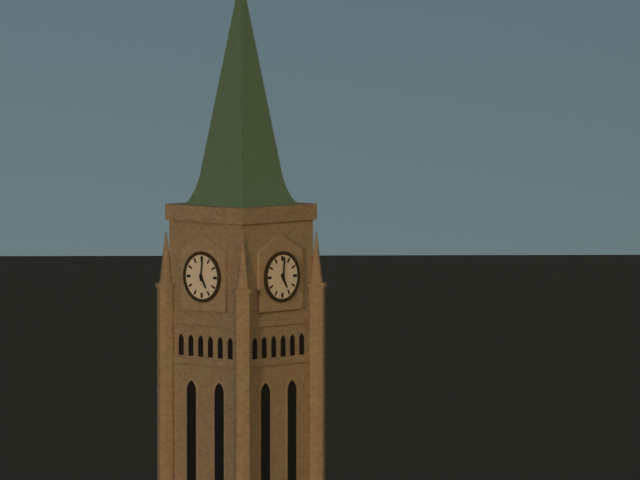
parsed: **5:01**
